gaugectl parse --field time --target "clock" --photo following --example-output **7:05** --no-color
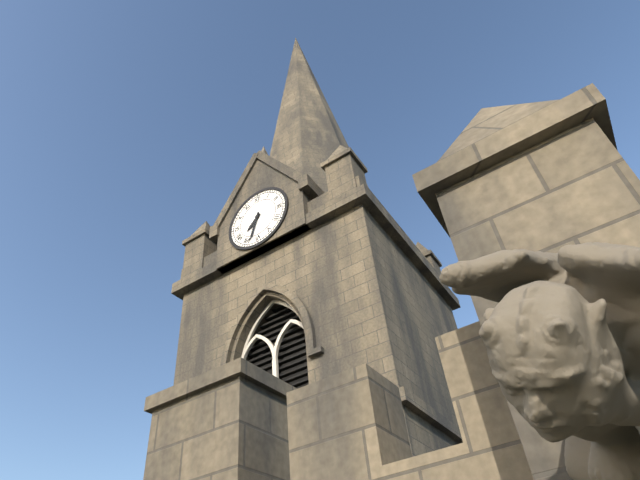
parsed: **7:33**
